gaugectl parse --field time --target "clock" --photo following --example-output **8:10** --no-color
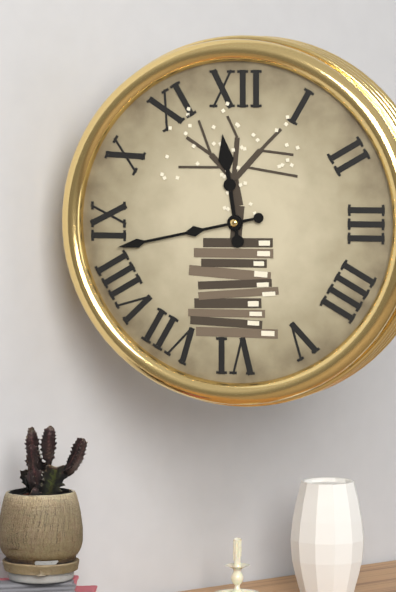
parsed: **11:43**
